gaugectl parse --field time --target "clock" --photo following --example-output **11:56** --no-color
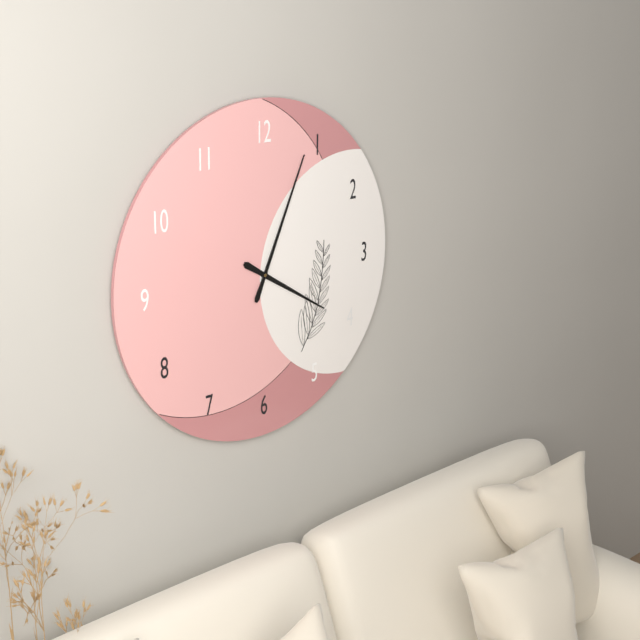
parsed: **4:04**
